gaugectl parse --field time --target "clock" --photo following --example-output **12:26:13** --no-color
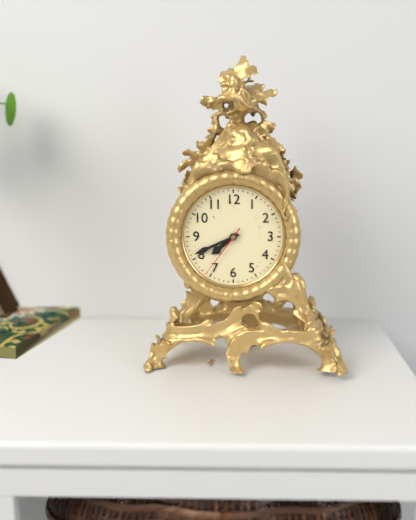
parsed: **7:41:36**
